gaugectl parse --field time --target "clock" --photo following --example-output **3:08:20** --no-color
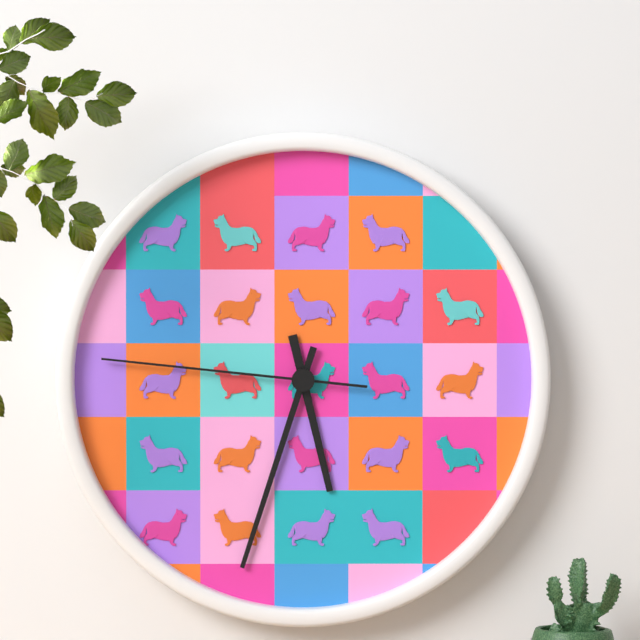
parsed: **5:33:46**
